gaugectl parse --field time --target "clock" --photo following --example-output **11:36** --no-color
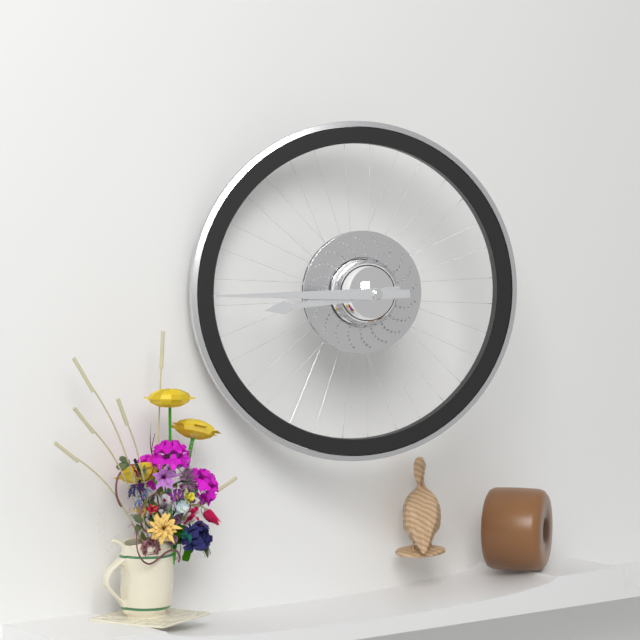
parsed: **8:45**
